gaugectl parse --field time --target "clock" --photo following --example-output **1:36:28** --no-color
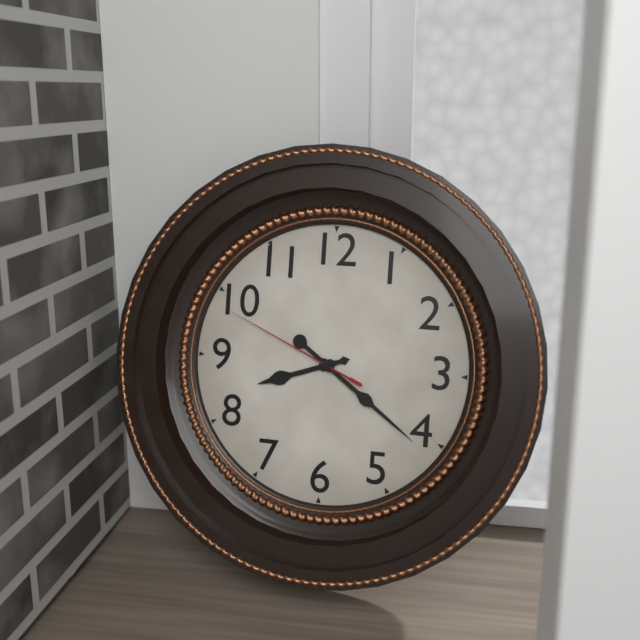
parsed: **8:21:49**
